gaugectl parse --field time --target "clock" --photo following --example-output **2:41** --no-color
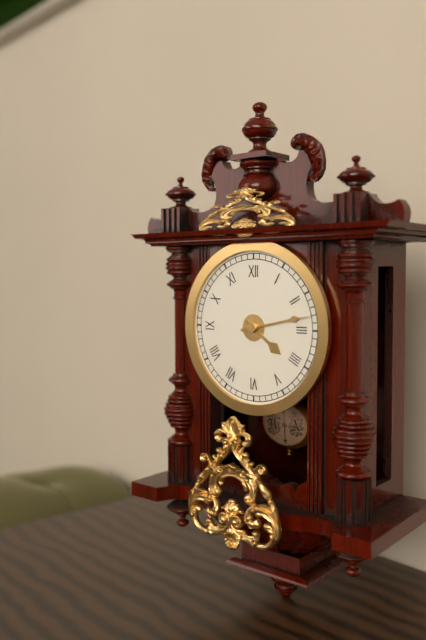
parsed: **4:13**
